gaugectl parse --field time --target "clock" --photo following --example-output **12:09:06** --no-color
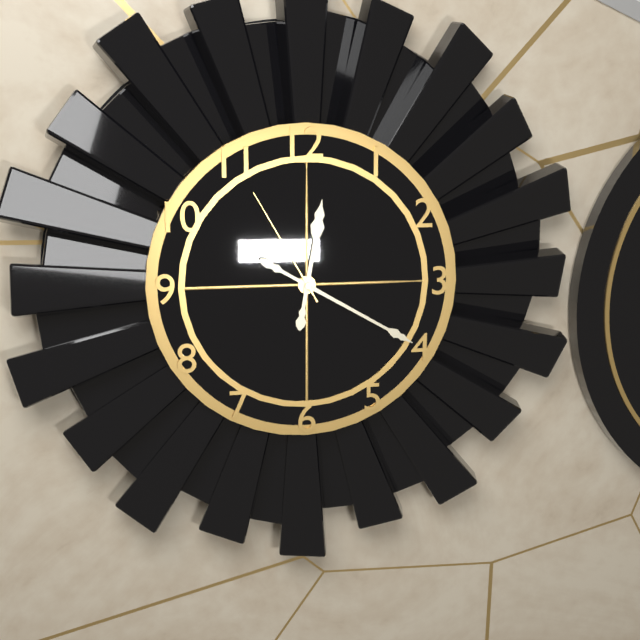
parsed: **12:20:55**
